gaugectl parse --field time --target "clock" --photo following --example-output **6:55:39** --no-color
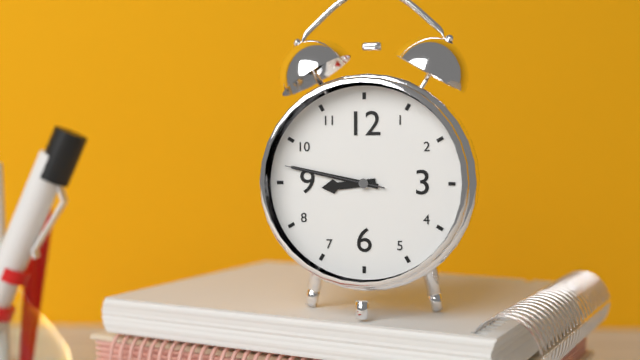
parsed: **8:47:47**
